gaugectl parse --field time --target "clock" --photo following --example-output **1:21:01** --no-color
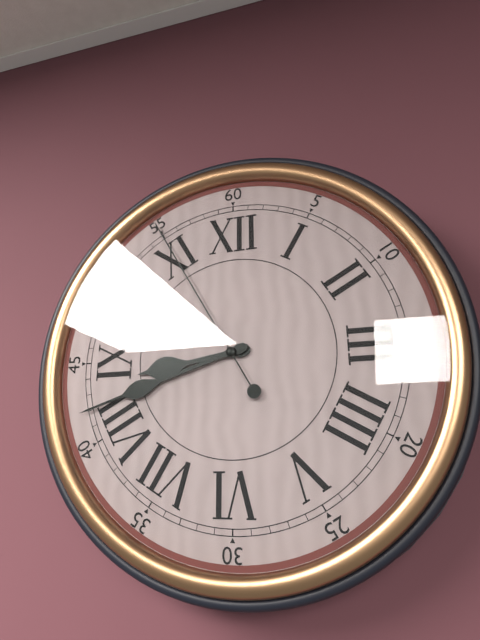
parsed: **8:42:55**
